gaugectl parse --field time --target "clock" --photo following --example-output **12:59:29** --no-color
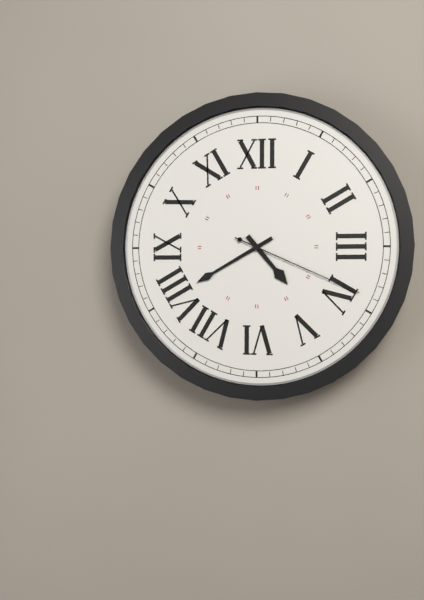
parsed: **4:40:19**
